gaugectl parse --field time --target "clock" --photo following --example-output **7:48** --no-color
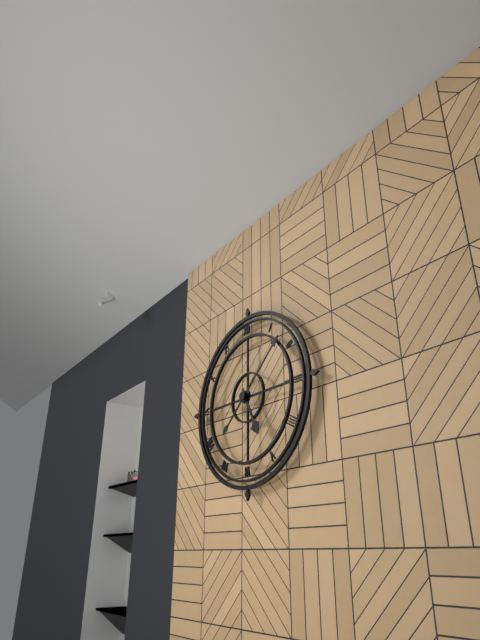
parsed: **5:08**
